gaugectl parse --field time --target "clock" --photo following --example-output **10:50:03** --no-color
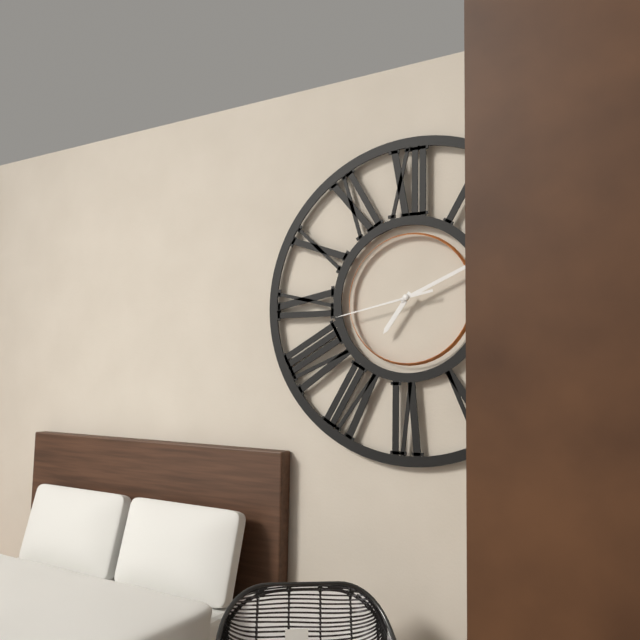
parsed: **7:11:43**
